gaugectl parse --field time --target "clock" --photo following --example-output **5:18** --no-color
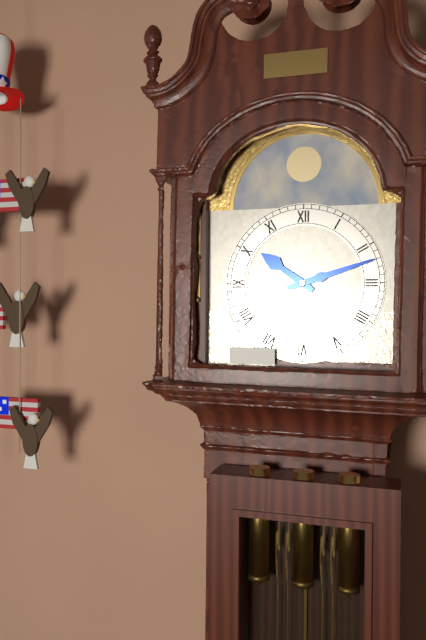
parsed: **10:12**
